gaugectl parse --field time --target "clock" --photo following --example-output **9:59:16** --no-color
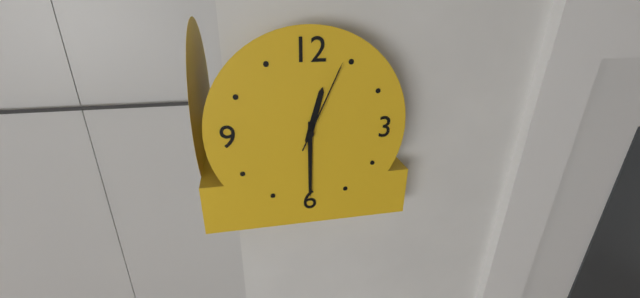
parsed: **12:30:04**
